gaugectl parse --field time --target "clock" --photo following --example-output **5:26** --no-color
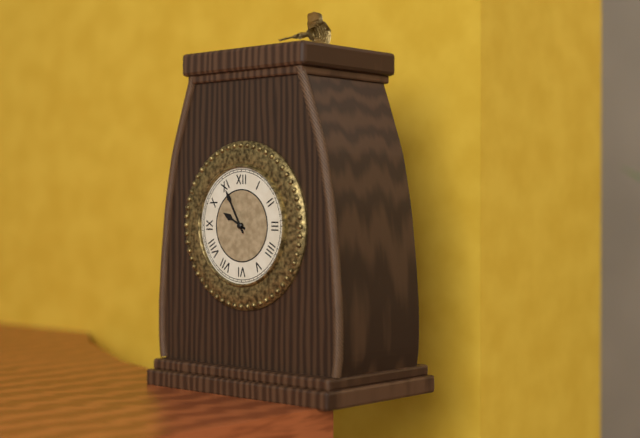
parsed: **9:55**
